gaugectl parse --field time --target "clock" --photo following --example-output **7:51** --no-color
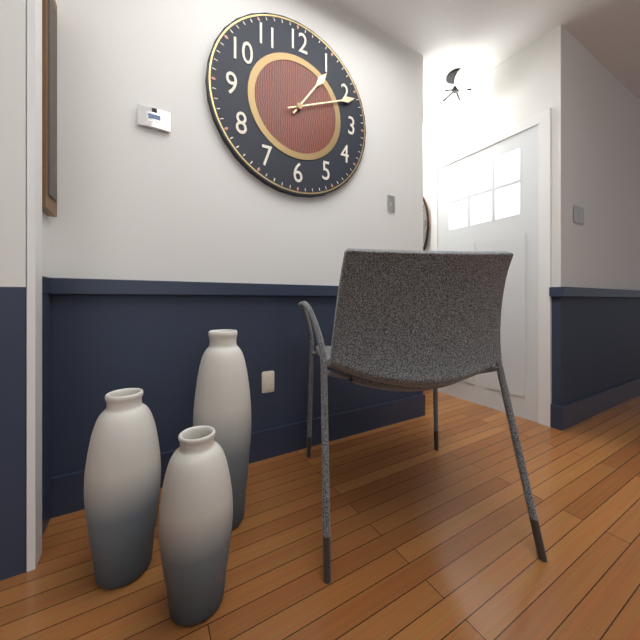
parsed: **1:11**
